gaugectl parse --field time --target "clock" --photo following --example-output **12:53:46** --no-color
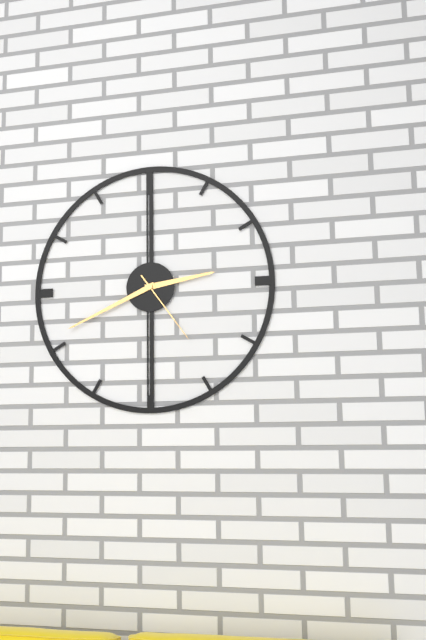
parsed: **2:41:24**
